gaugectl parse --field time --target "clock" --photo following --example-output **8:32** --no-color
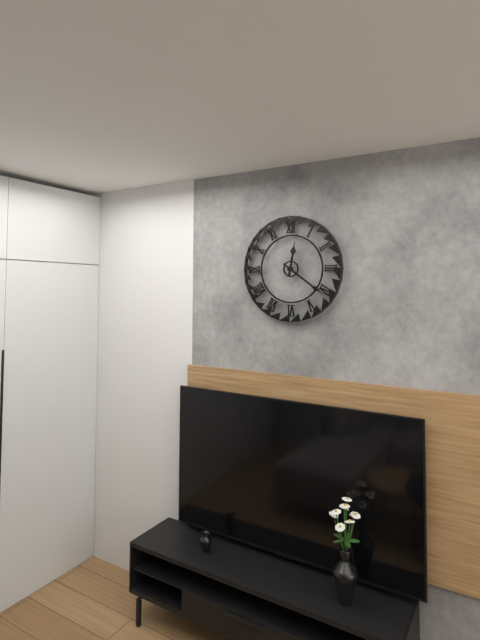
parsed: **12:21**
